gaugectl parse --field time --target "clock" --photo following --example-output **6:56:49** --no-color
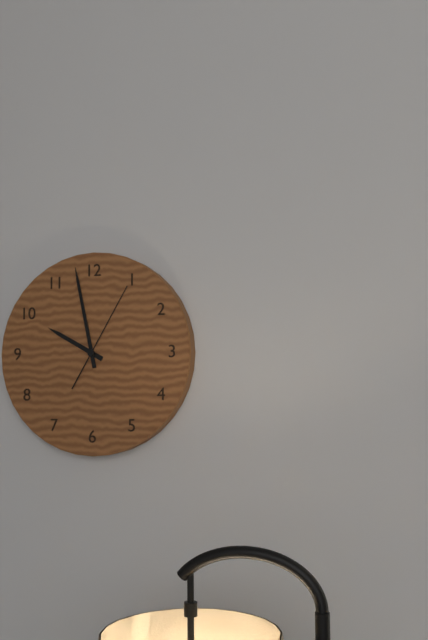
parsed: **9:58:05**
